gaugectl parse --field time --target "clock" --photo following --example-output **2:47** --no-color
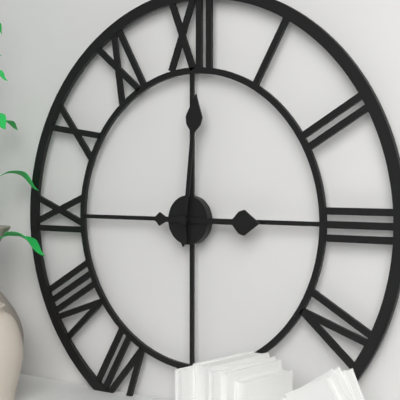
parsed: **3:01**
